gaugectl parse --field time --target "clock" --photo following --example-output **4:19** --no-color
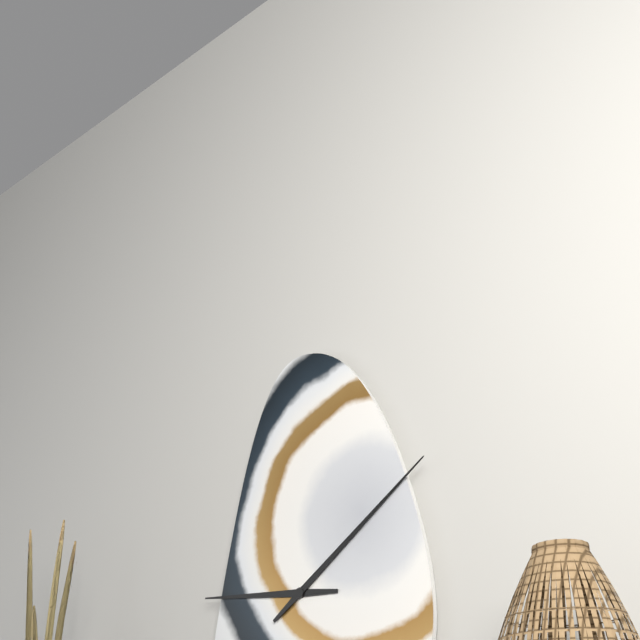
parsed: **9:09**
